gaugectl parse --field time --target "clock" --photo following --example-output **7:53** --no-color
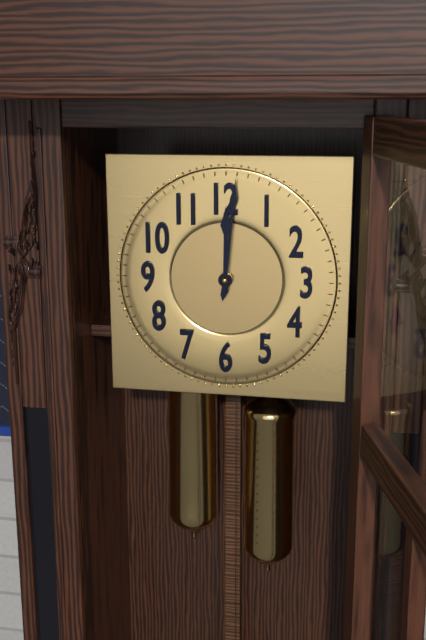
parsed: **12:01**
